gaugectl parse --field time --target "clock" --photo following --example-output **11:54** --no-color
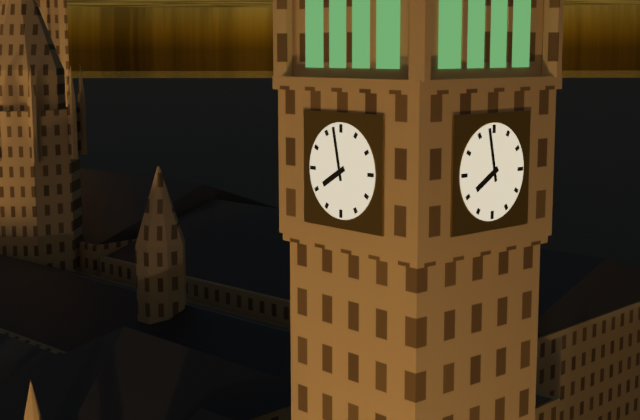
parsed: **7:58**
